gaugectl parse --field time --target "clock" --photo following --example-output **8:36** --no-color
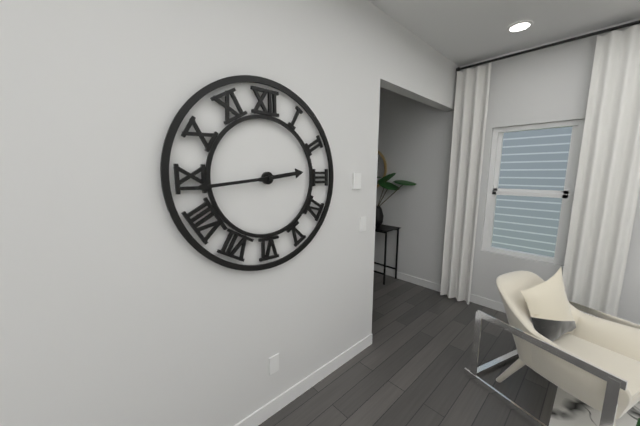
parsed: **2:44**
